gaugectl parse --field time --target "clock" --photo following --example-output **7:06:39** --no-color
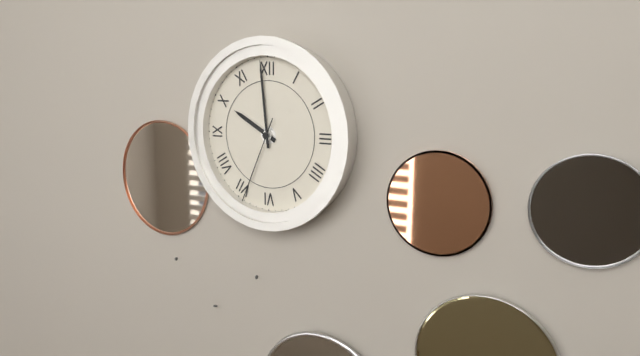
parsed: **9:59:34**
